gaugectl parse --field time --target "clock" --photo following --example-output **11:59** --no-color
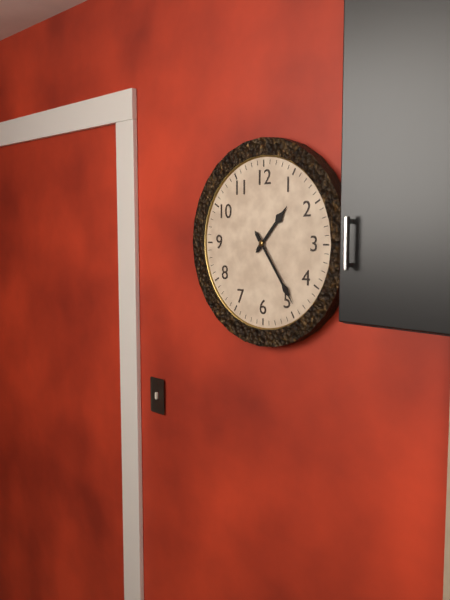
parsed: **1:24**
